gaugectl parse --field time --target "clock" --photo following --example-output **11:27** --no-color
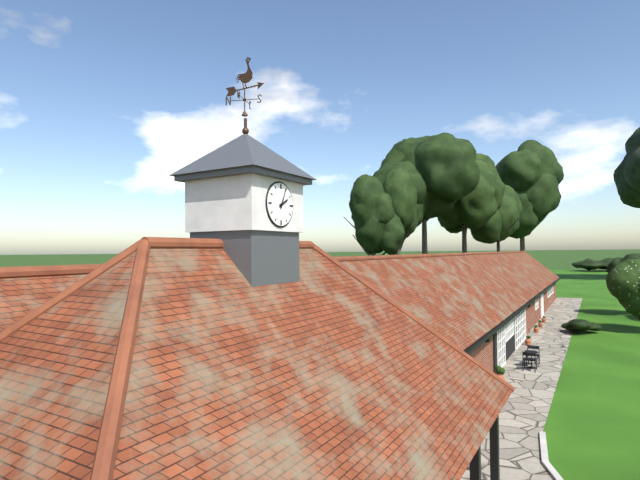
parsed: **2:04**
